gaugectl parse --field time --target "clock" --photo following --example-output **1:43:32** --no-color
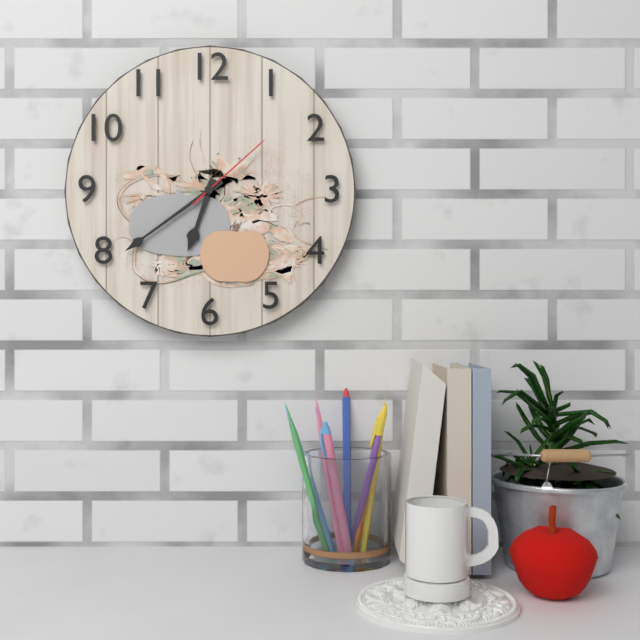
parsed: **6:39:08**
